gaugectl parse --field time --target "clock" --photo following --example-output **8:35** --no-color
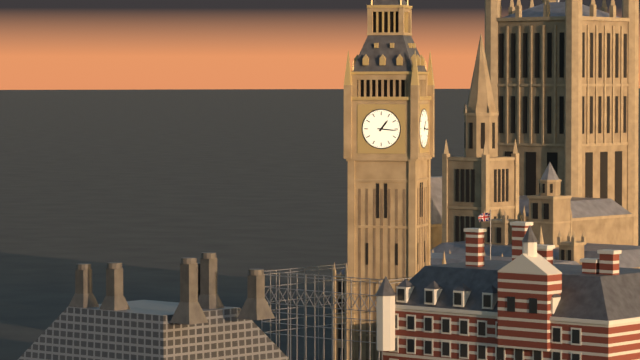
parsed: **1:16**
